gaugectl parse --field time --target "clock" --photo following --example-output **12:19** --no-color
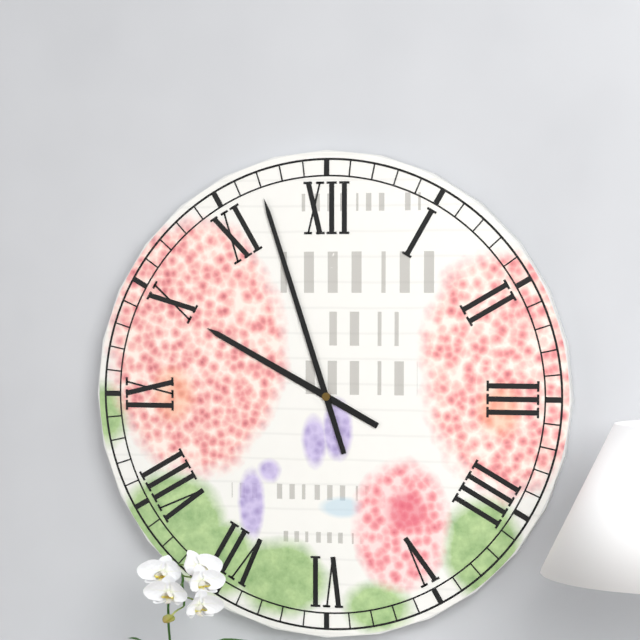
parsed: **9:57**
